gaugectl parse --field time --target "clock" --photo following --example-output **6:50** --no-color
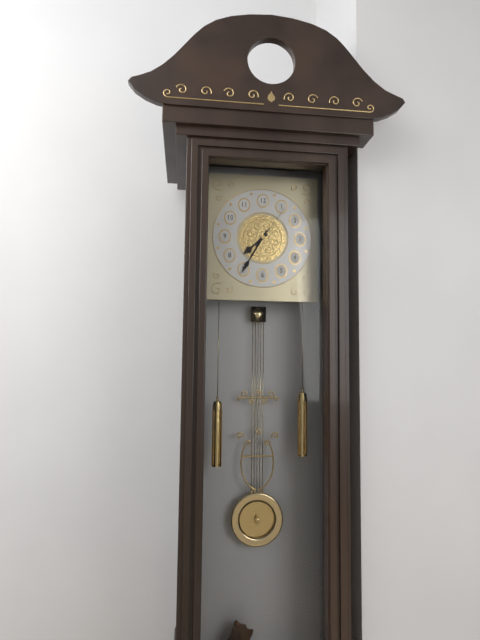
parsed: **7:35**
